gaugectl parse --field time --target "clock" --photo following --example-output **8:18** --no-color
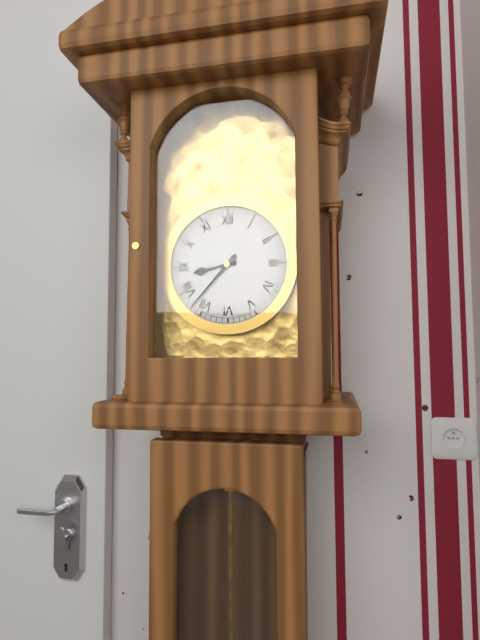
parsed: **8:37**
